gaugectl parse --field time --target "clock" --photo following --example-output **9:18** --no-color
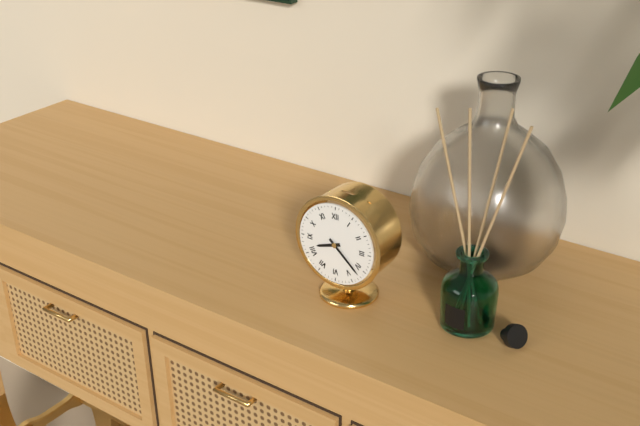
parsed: **8:22**
